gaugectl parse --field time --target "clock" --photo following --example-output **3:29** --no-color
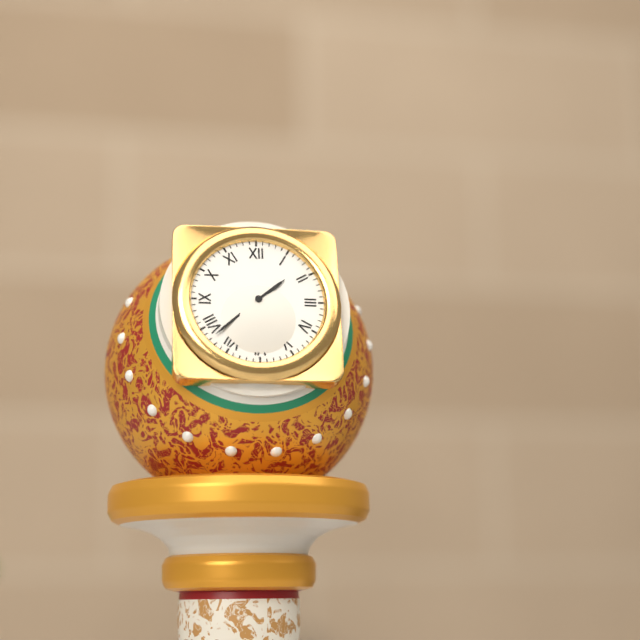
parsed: **1:38**
